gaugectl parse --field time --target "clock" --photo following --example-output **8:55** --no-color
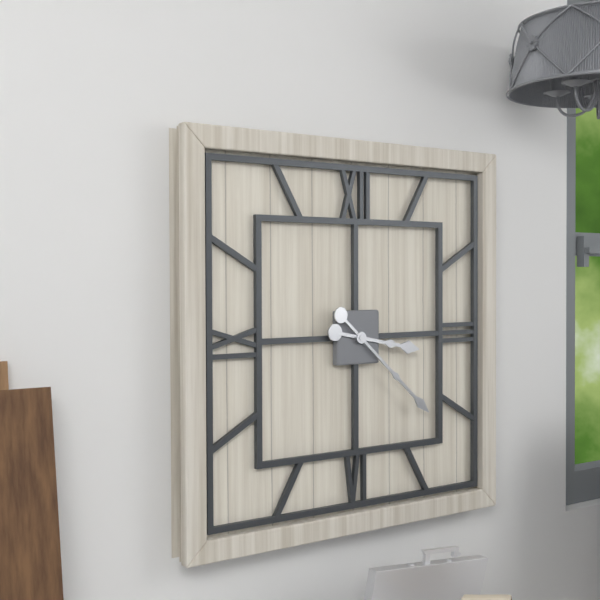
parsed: **3:22**
